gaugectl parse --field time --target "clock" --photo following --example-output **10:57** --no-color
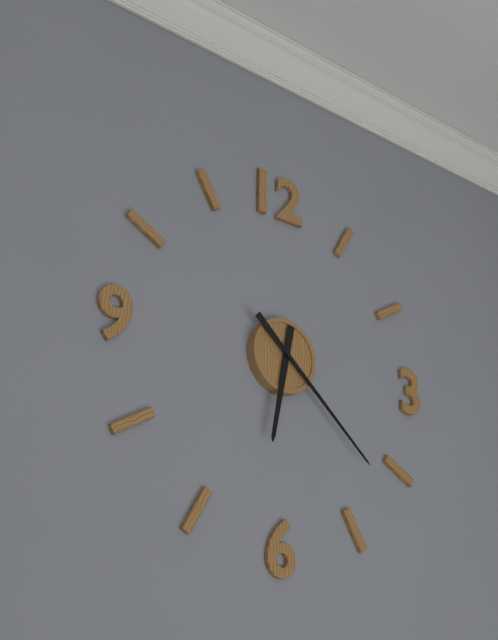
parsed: **6:22**
